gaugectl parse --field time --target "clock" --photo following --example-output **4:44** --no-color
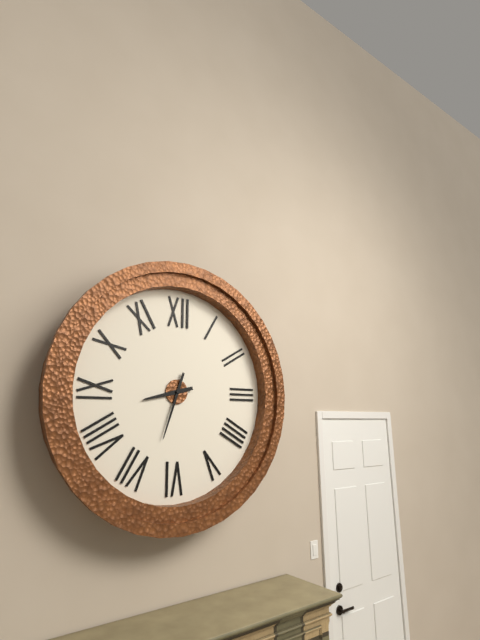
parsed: **8:33**
